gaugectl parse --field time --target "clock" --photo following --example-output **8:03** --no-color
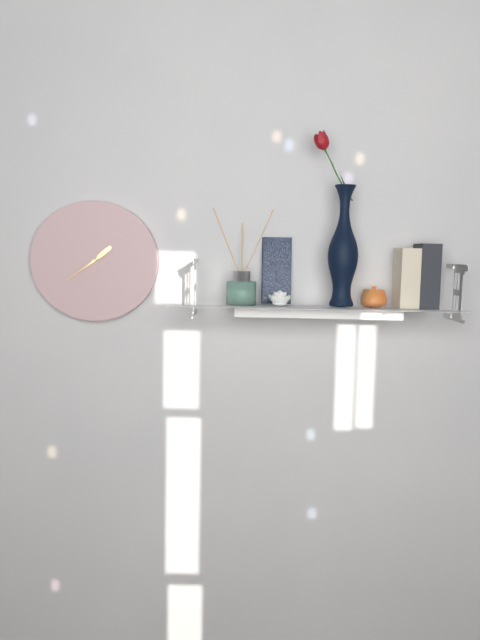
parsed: **1:39**
